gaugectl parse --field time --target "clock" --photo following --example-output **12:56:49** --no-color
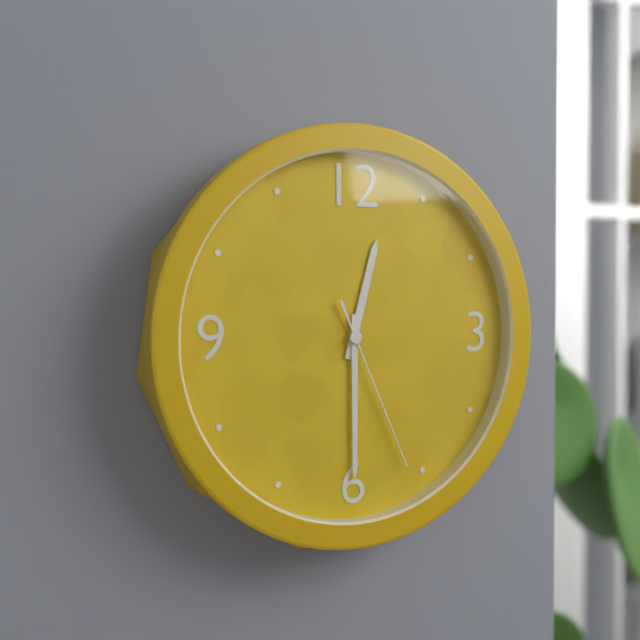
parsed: **12:30:26**
